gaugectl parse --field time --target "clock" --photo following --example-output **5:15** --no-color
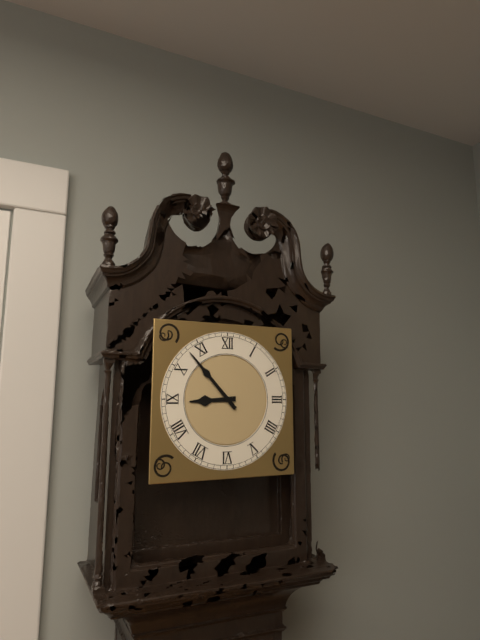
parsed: **8:53**
